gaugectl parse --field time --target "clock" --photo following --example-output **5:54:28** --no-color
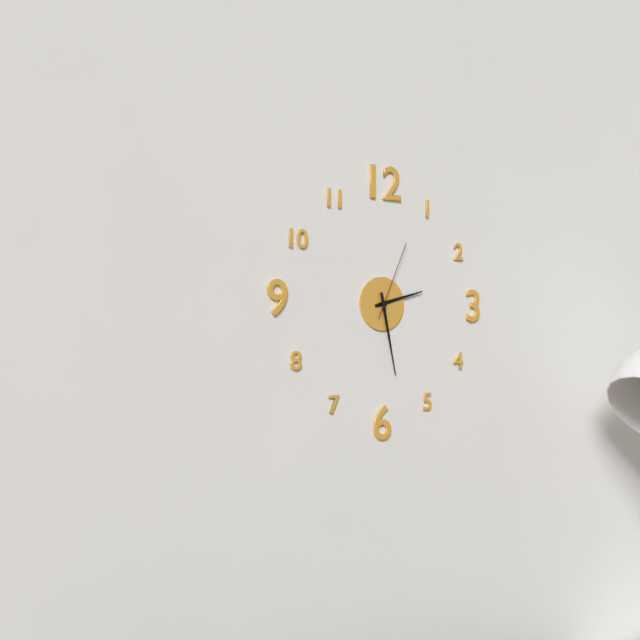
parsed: **2:28:04**
